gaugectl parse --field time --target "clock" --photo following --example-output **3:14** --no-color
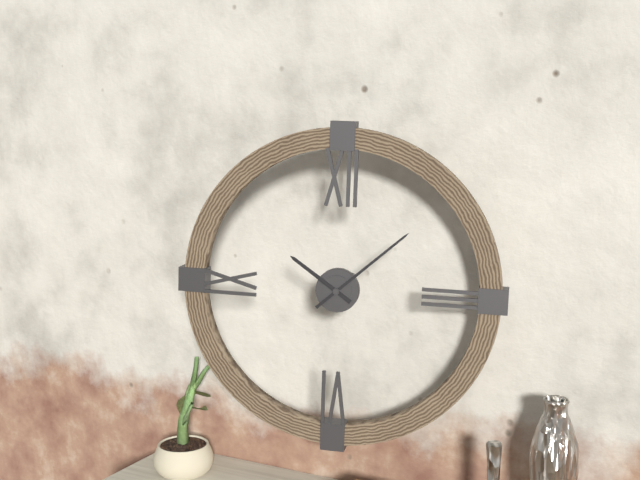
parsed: **10:08**
